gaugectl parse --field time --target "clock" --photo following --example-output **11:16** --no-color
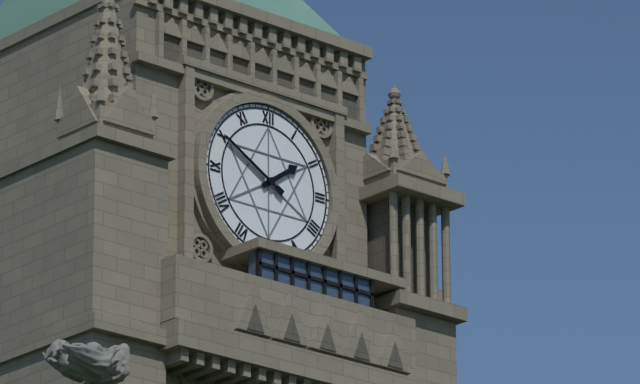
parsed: **1:50**
